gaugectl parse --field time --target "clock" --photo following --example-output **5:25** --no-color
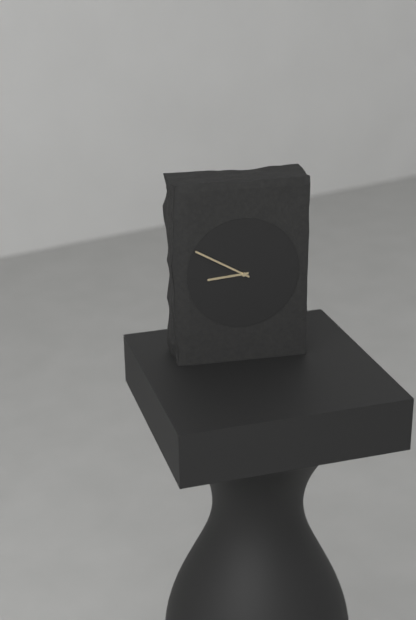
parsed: **8:50**
